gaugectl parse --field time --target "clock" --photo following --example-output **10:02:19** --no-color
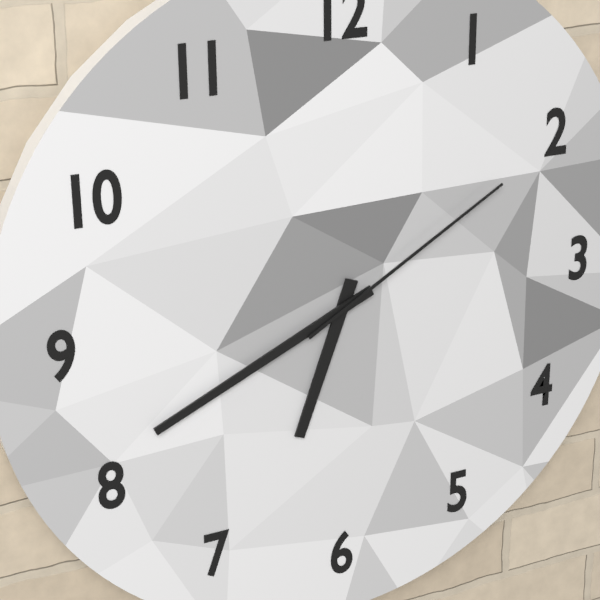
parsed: **6:41:10**
